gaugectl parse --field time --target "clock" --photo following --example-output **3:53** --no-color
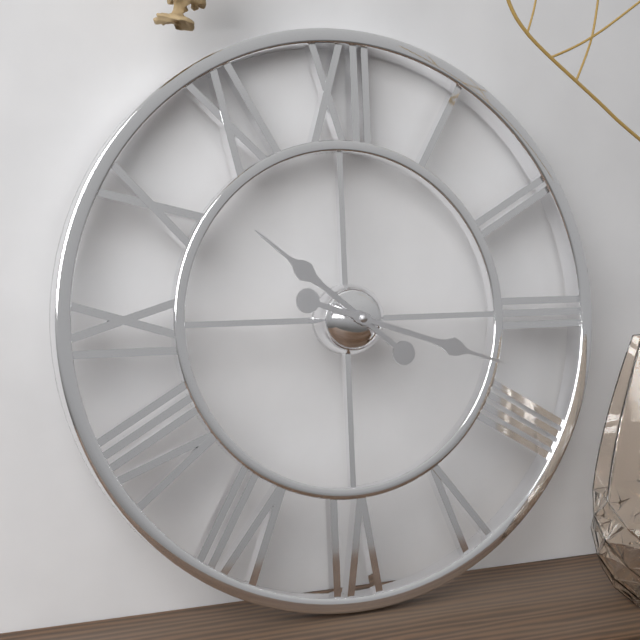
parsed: **10:18**
